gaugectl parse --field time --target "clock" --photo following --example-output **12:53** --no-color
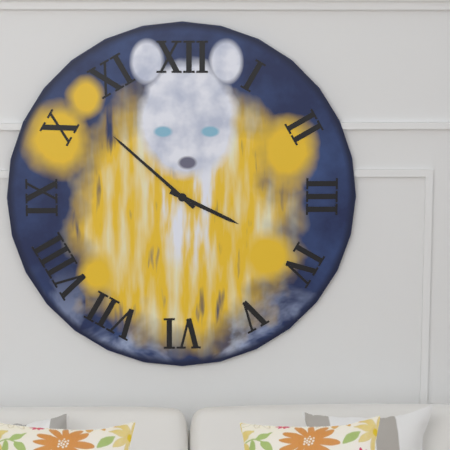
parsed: **3:52**
